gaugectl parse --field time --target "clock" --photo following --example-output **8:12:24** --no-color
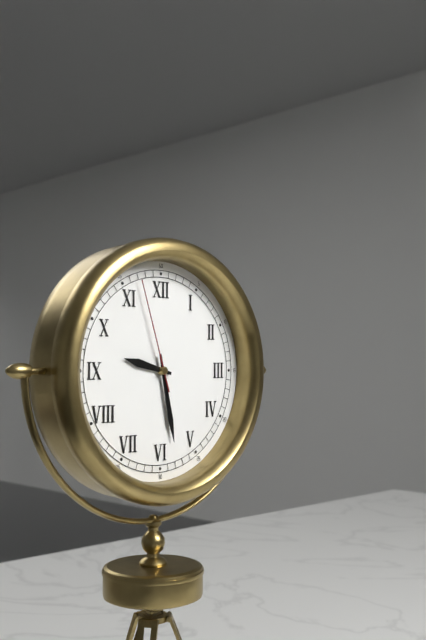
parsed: **9:28:57**
